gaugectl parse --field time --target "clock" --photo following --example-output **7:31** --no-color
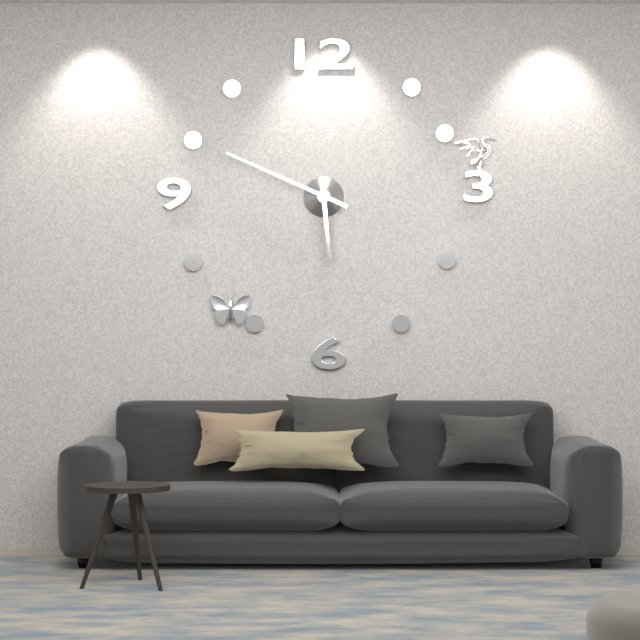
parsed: **5:49**
